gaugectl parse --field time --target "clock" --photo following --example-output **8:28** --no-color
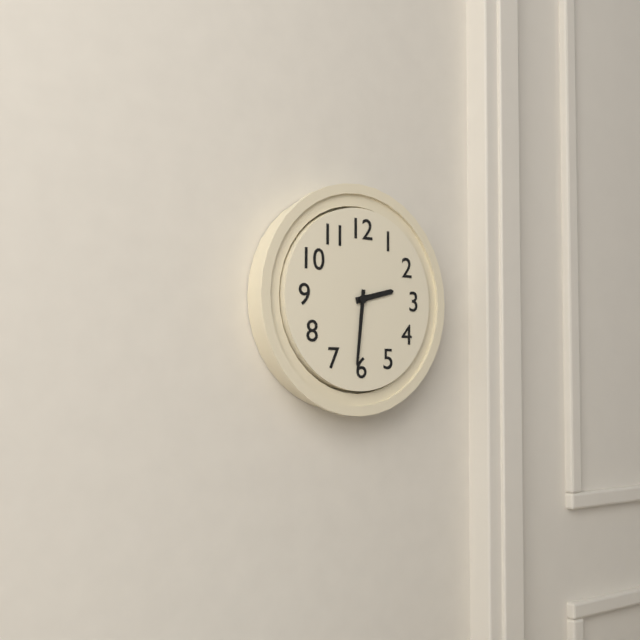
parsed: **2:31**
